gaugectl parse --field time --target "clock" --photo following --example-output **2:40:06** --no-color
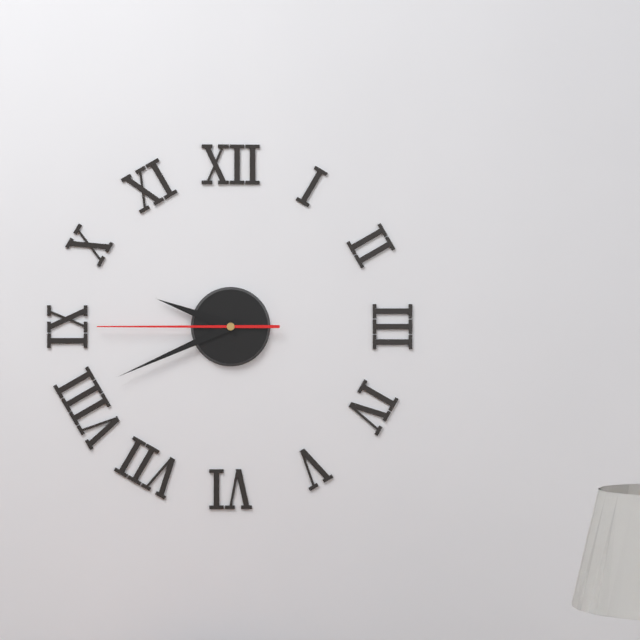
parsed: **9:41:45**
